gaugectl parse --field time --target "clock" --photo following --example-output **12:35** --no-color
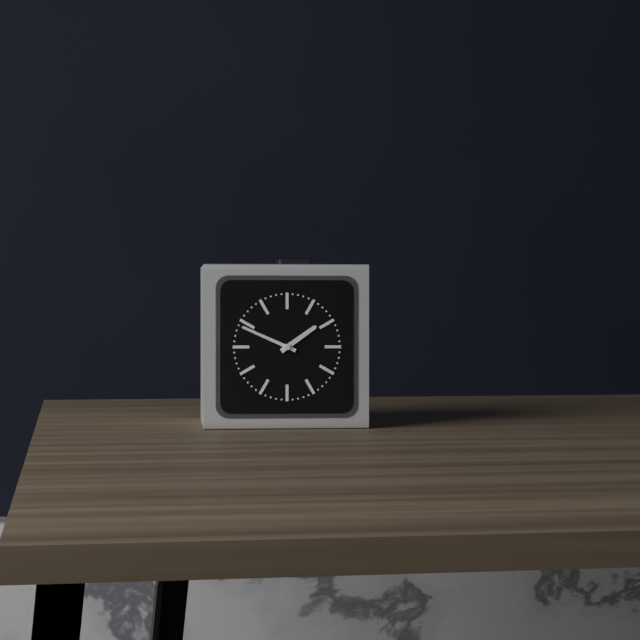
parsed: **1:49**
